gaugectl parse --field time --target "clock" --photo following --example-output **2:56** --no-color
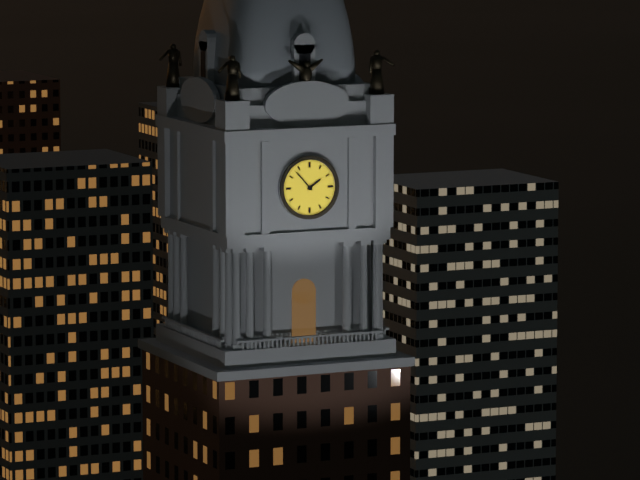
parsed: **1:53**
